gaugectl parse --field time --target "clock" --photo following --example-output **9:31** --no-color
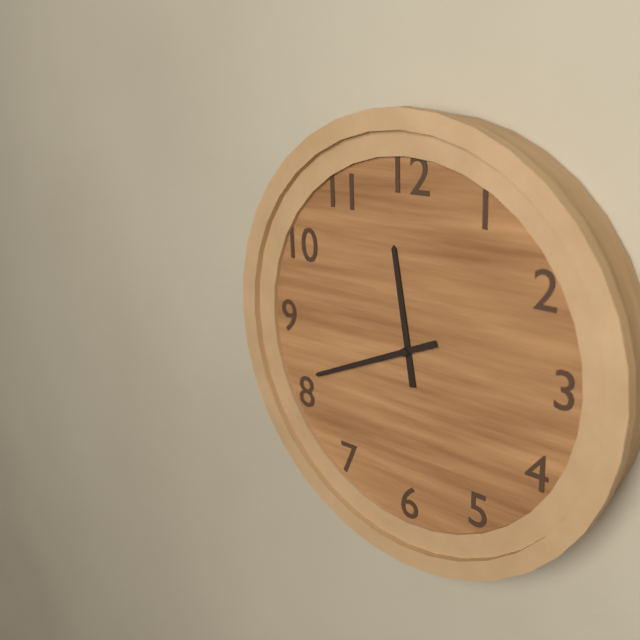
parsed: **11:41**
